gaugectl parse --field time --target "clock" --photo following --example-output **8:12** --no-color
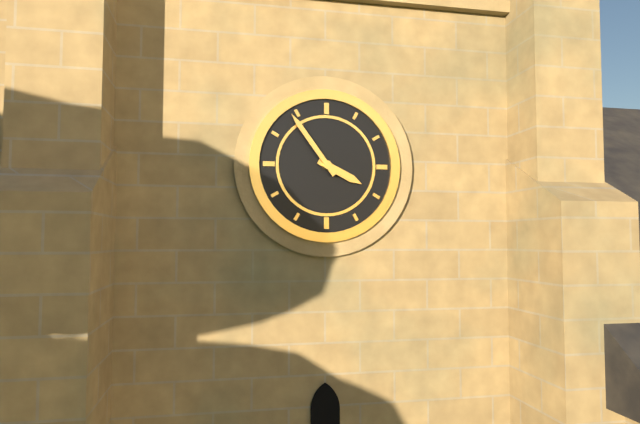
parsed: **3:54**
